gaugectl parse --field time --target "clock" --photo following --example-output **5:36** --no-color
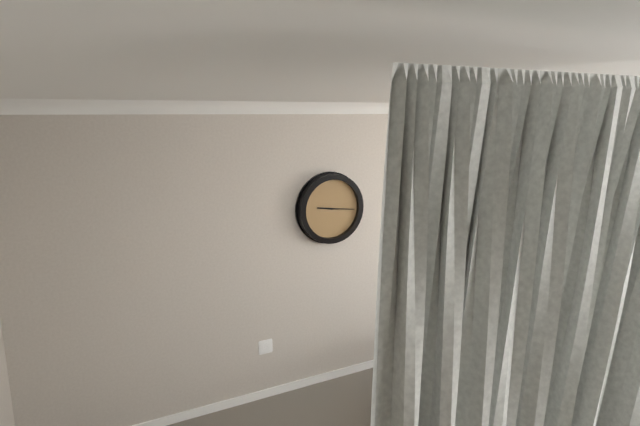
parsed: **9:16**
